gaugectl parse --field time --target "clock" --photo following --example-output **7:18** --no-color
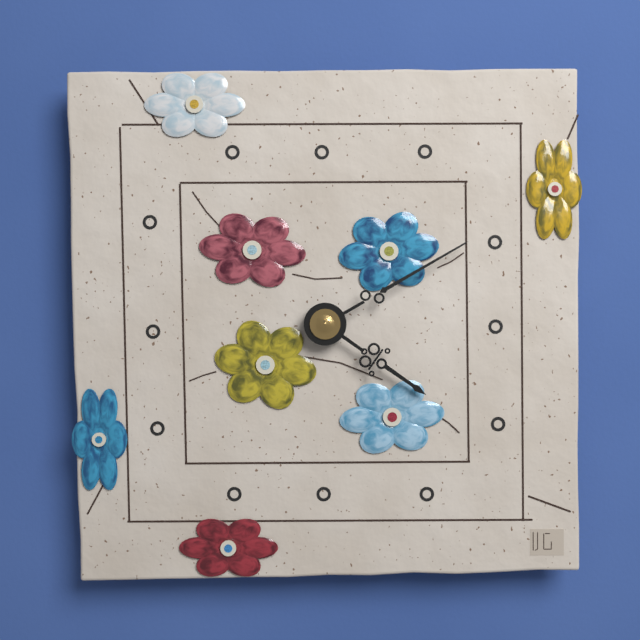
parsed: **4:10**
